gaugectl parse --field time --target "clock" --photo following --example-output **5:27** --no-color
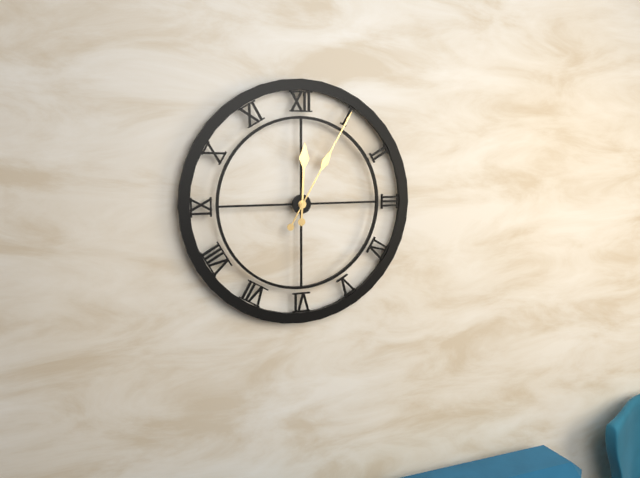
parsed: **12:05**
